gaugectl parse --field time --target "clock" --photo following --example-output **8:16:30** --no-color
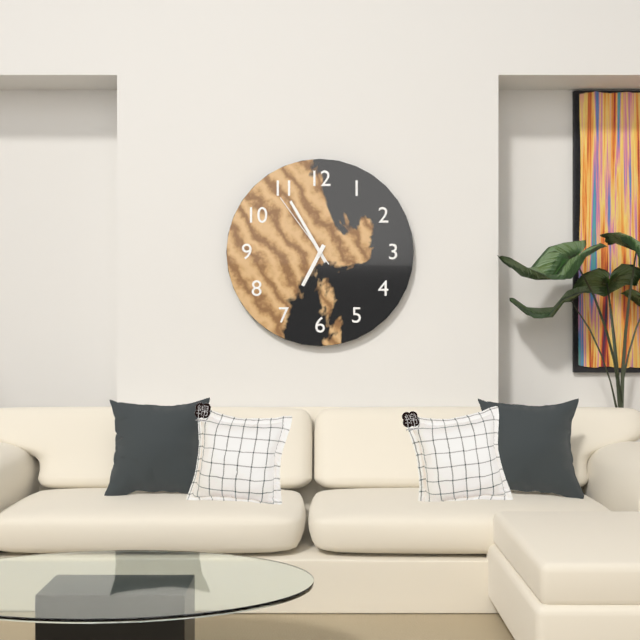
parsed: **6:55:54**
